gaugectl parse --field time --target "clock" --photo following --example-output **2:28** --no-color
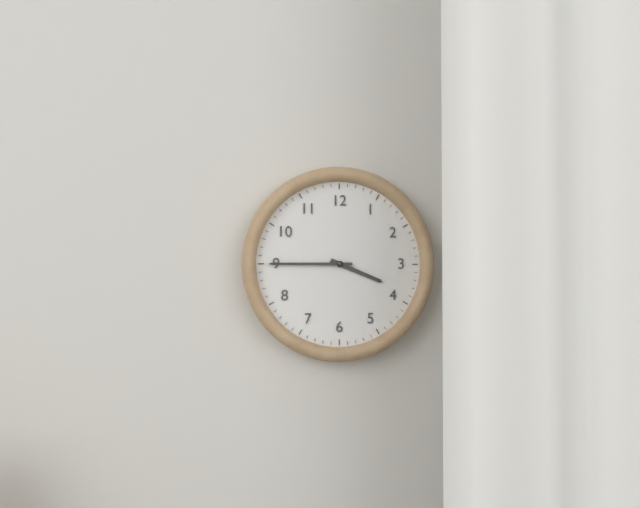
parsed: **3:45**
